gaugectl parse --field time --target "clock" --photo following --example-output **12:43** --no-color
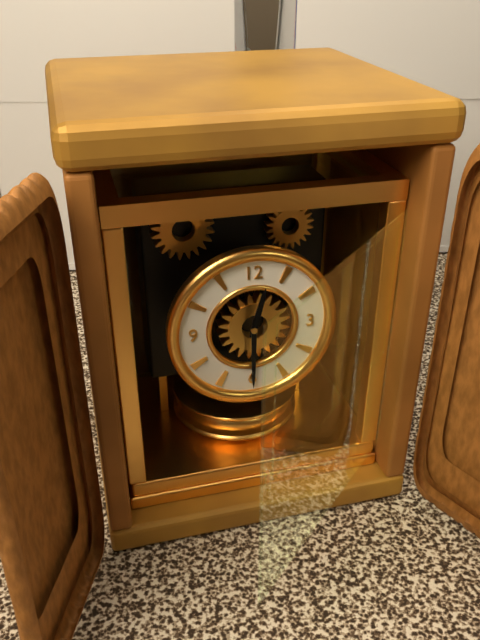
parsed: **12:30**
